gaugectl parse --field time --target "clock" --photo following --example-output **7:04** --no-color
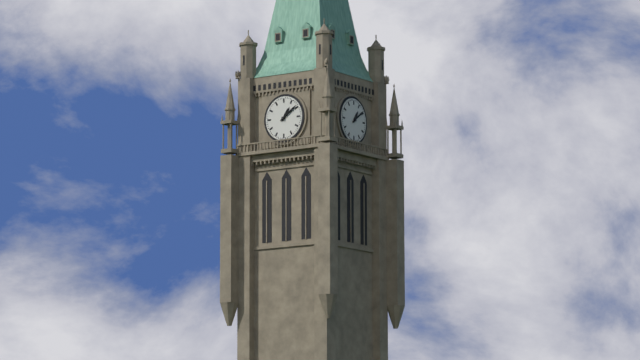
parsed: **1:09**
